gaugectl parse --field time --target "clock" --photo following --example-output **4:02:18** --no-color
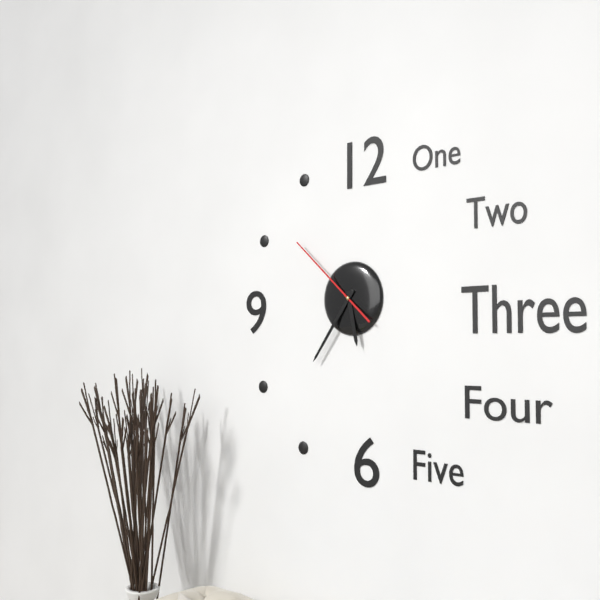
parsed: **5:36:52**
